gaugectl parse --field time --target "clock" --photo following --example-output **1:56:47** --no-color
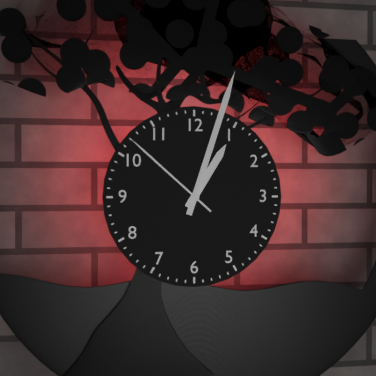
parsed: **1:03:52**
